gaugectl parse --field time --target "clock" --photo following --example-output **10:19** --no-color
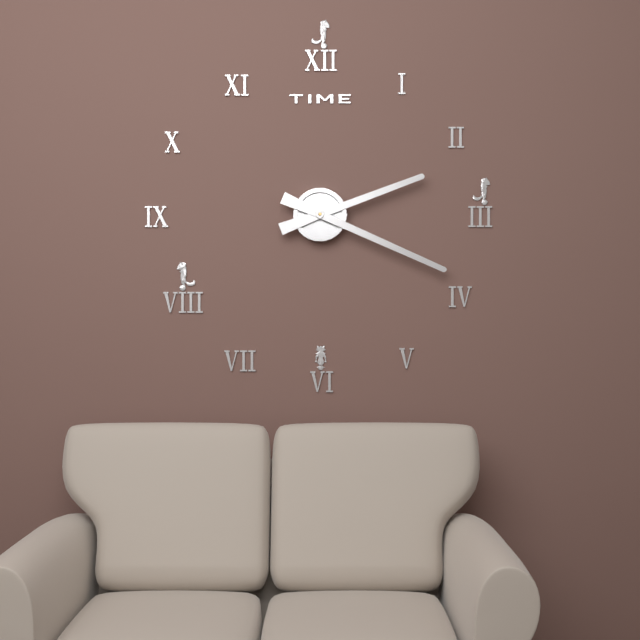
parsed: **2:19**
